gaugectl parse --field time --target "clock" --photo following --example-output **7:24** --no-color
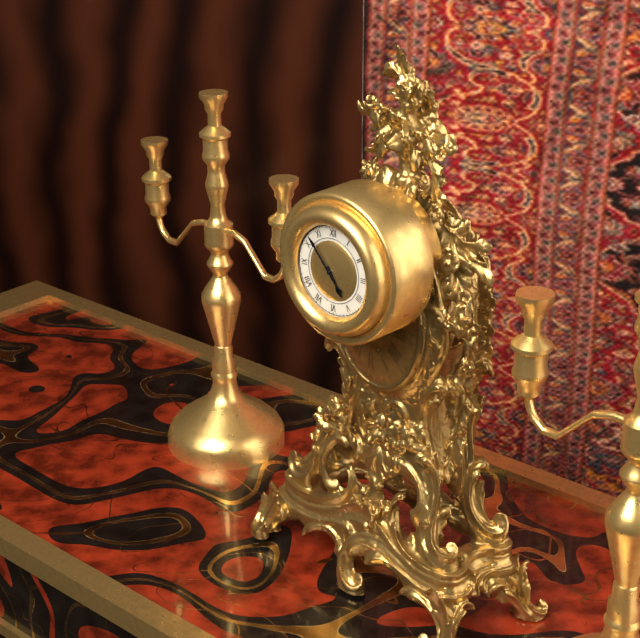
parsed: **4:53**
